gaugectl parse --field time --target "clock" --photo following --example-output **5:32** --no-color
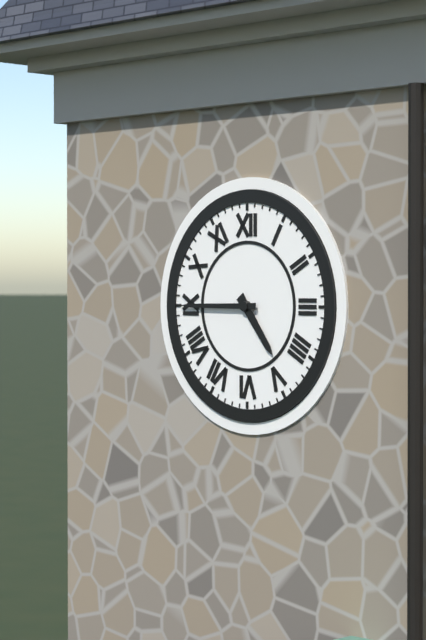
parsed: **4:45**
